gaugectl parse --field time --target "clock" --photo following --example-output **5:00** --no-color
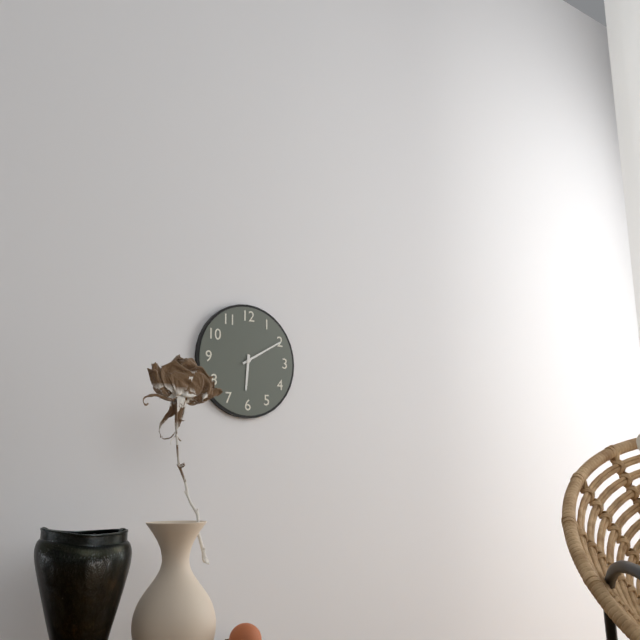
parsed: **6:10**
